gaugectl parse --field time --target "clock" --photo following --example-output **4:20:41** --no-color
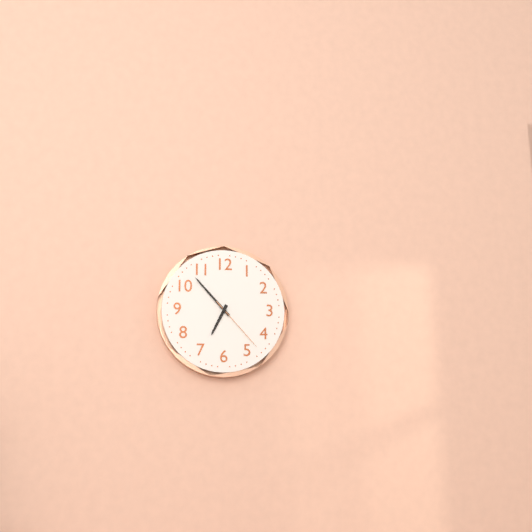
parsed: **6:53:23**
